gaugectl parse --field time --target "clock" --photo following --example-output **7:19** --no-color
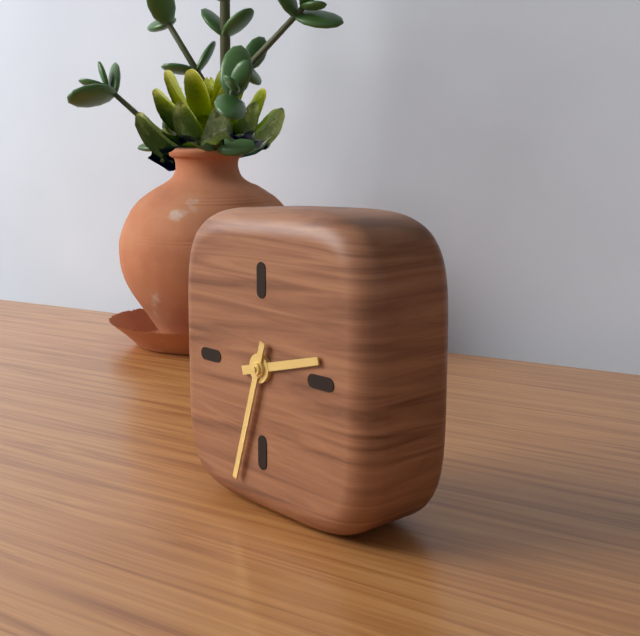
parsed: **2:33**
